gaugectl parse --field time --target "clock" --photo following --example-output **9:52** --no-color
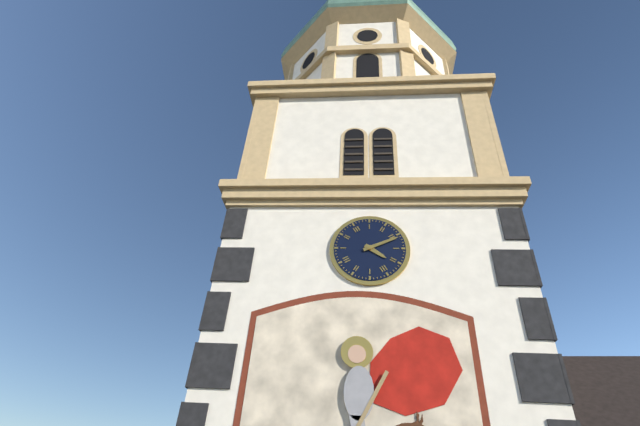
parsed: **4:11**
